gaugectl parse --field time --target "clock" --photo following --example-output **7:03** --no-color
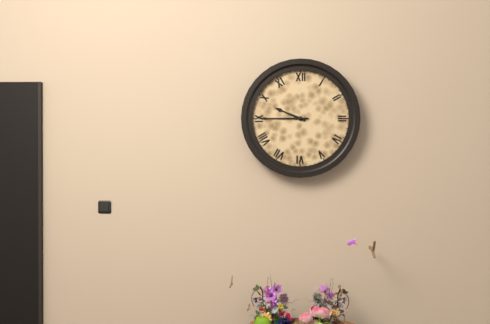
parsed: **9:45**
